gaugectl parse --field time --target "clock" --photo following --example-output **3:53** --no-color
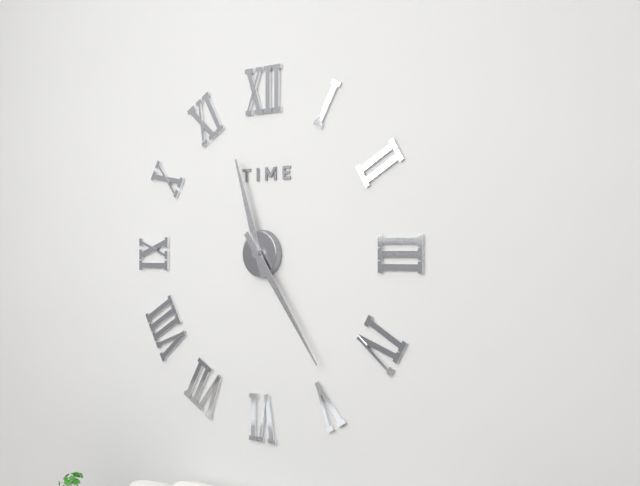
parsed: **11:24**
